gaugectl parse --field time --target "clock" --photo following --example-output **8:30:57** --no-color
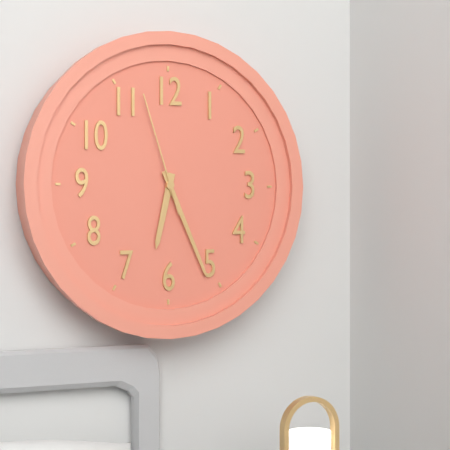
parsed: **6:26:57**
